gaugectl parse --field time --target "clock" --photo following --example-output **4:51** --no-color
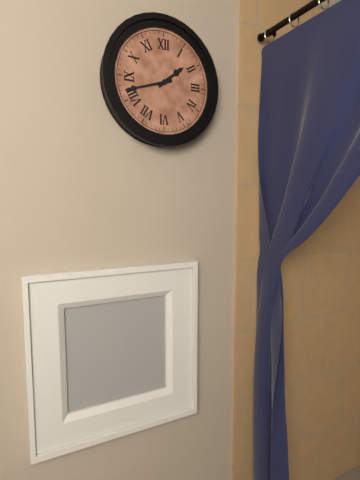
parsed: **1:42**
